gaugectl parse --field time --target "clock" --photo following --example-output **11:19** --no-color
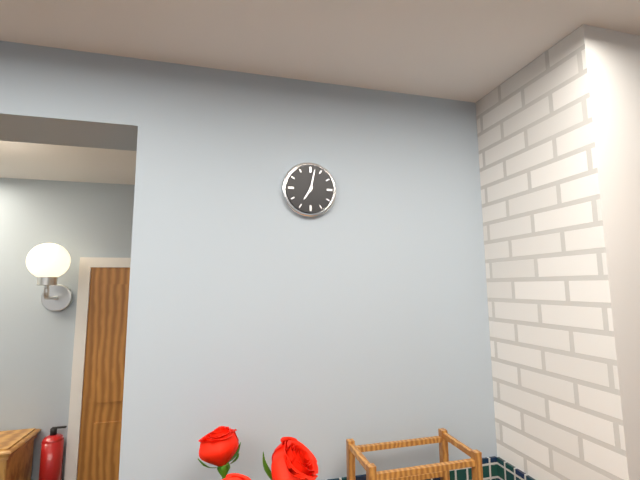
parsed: **7:02**
